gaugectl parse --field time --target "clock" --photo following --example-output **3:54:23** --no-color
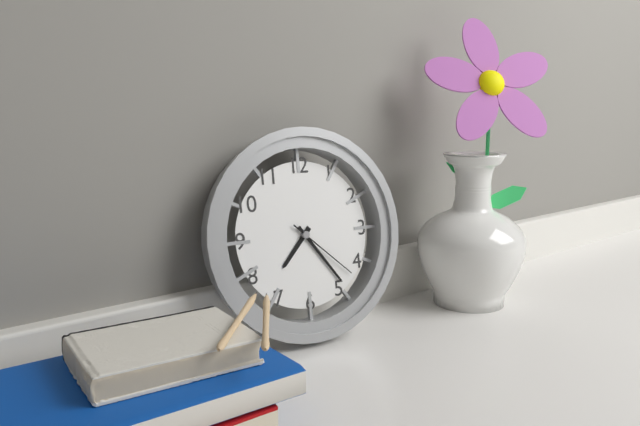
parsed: **7:24:22**
